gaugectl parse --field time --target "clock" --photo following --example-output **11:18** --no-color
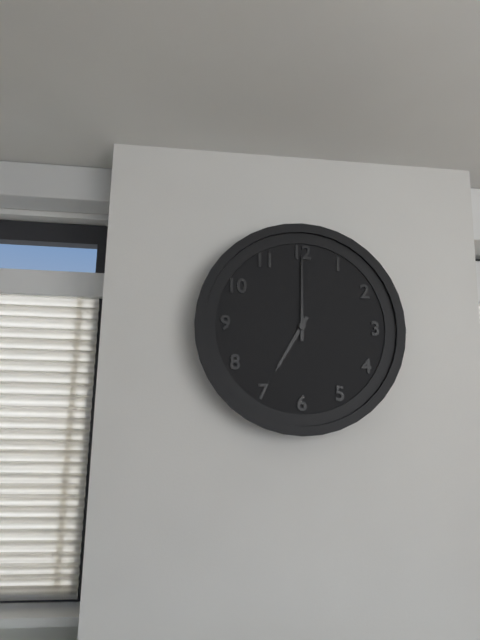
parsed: **7:00**
